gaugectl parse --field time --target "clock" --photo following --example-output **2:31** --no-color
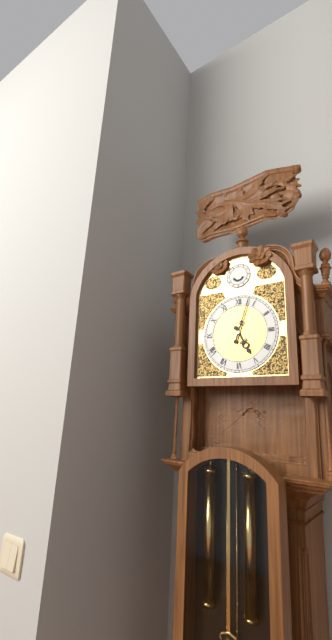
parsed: **5:03**
